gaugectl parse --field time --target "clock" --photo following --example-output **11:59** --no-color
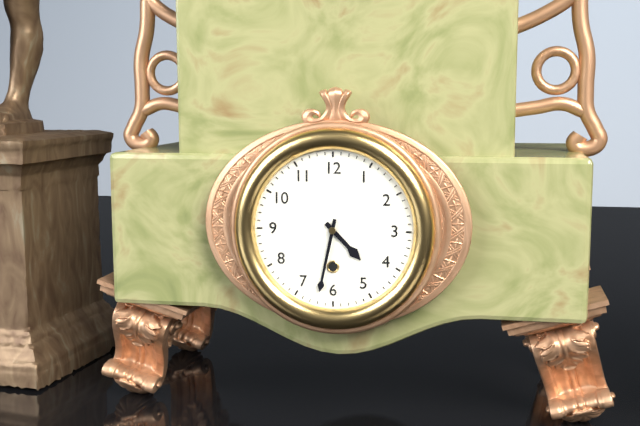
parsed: **4:32**
